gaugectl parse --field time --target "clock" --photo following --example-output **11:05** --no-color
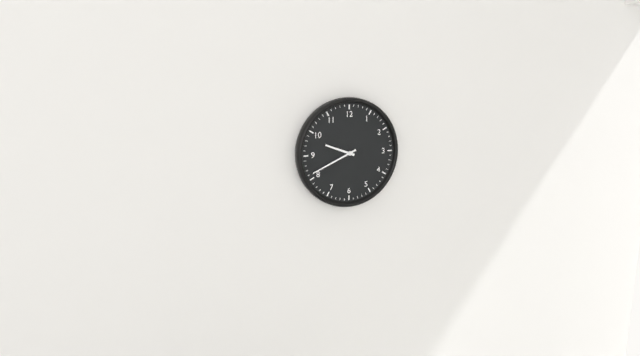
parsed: **9:41**
